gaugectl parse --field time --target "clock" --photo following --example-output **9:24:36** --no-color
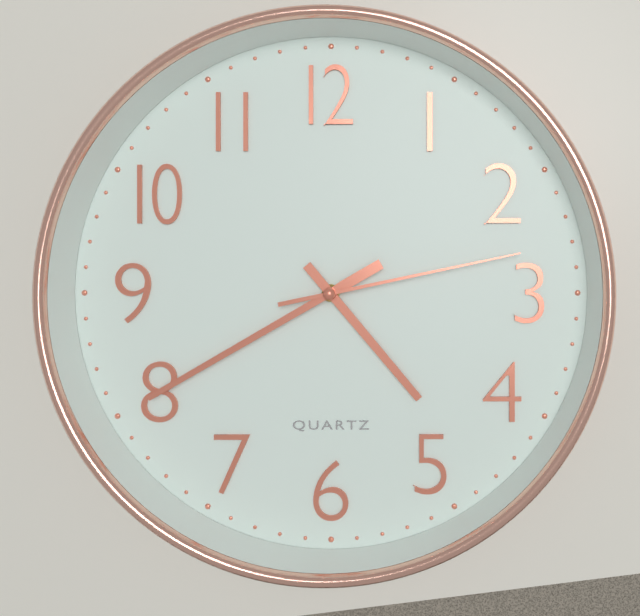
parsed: **4:40:13**
